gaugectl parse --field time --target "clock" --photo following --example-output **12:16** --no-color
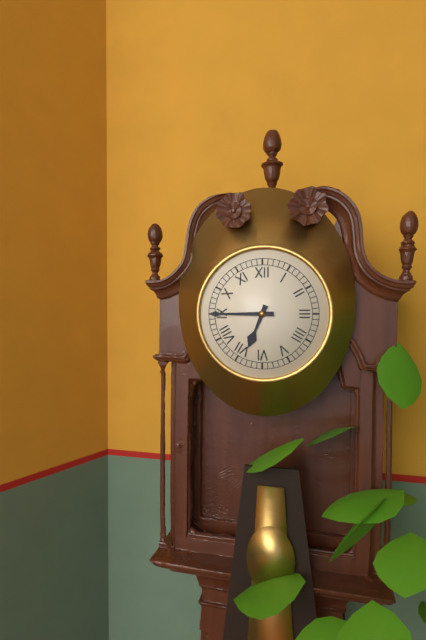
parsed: **6:45**
